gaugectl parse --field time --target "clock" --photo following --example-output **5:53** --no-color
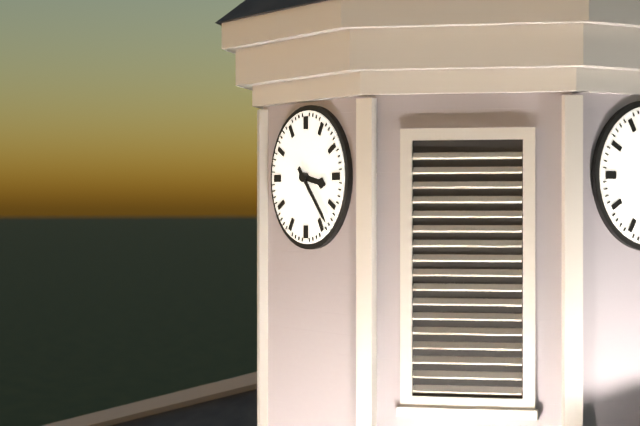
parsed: **3:23**
